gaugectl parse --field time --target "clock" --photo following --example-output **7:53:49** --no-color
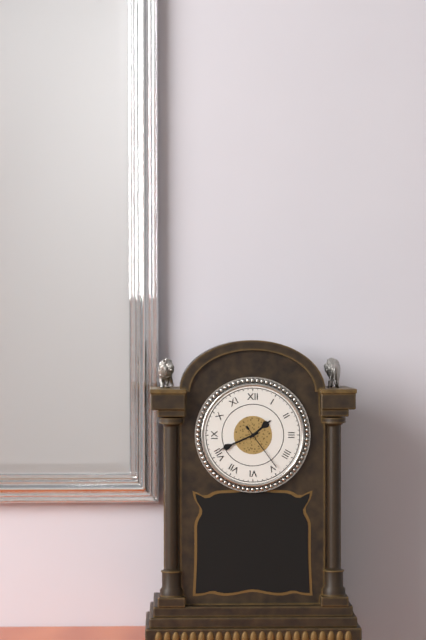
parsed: **1:41:24**
